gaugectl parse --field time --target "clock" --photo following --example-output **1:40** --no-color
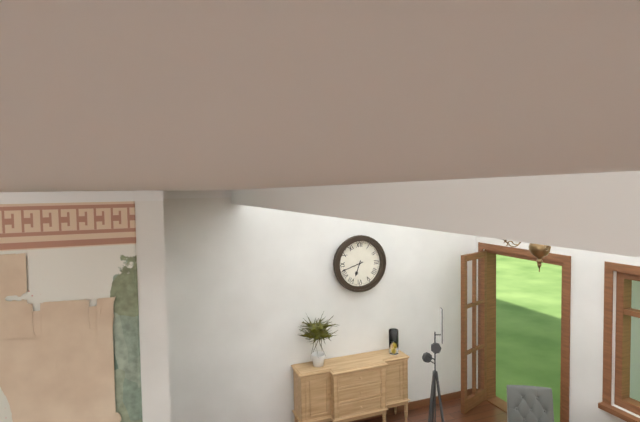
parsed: **6:42**
